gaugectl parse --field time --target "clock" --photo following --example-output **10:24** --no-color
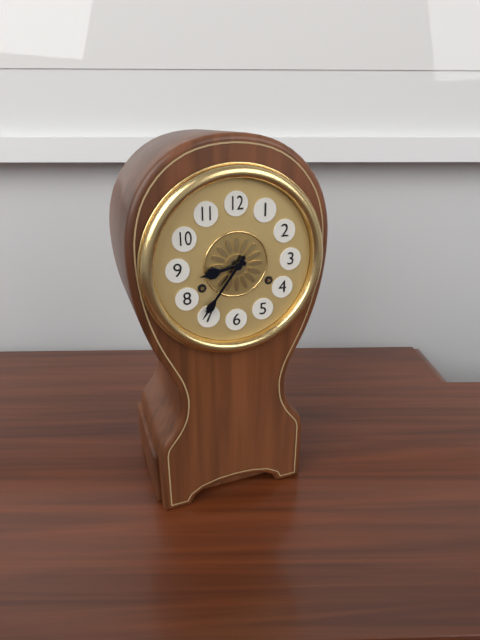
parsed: **8:36**
